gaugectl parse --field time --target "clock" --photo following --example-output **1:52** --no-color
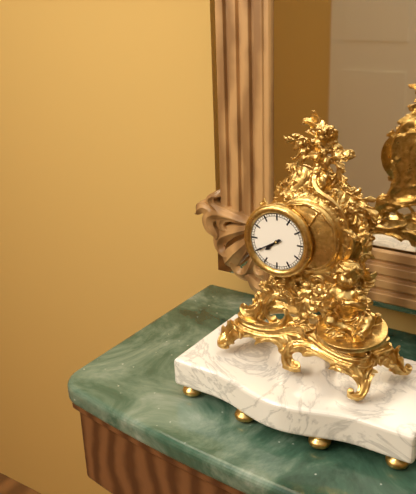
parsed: **7:40**
